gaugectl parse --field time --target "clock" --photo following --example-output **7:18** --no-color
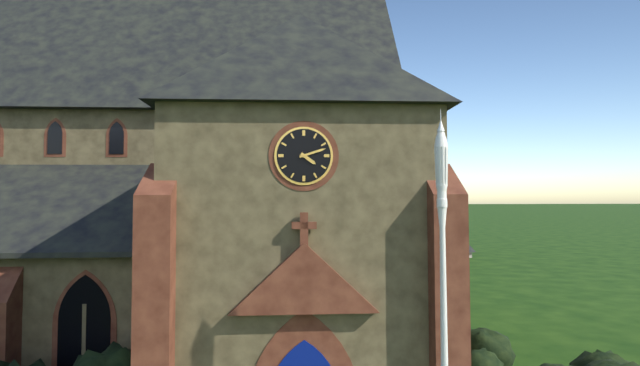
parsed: **4:12**
